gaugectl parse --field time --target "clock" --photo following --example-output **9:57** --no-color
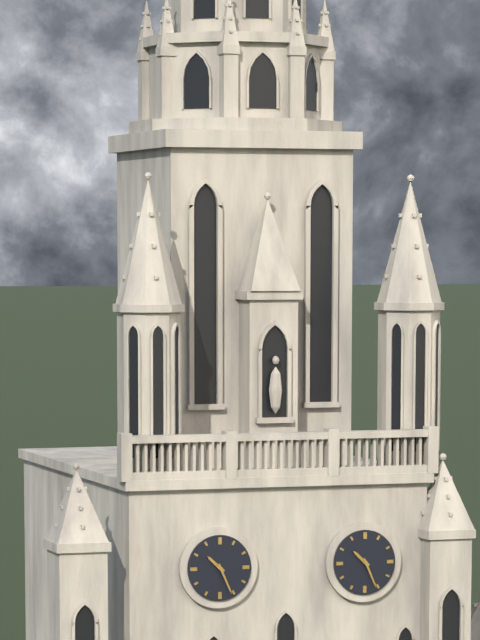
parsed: **10:26**
